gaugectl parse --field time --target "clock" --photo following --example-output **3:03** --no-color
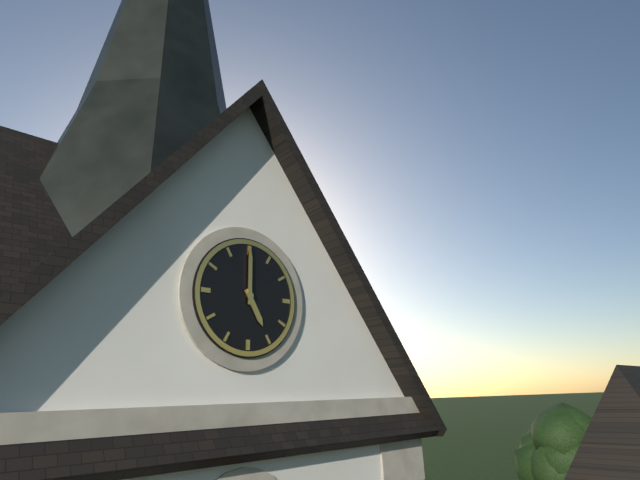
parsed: **5:00**
